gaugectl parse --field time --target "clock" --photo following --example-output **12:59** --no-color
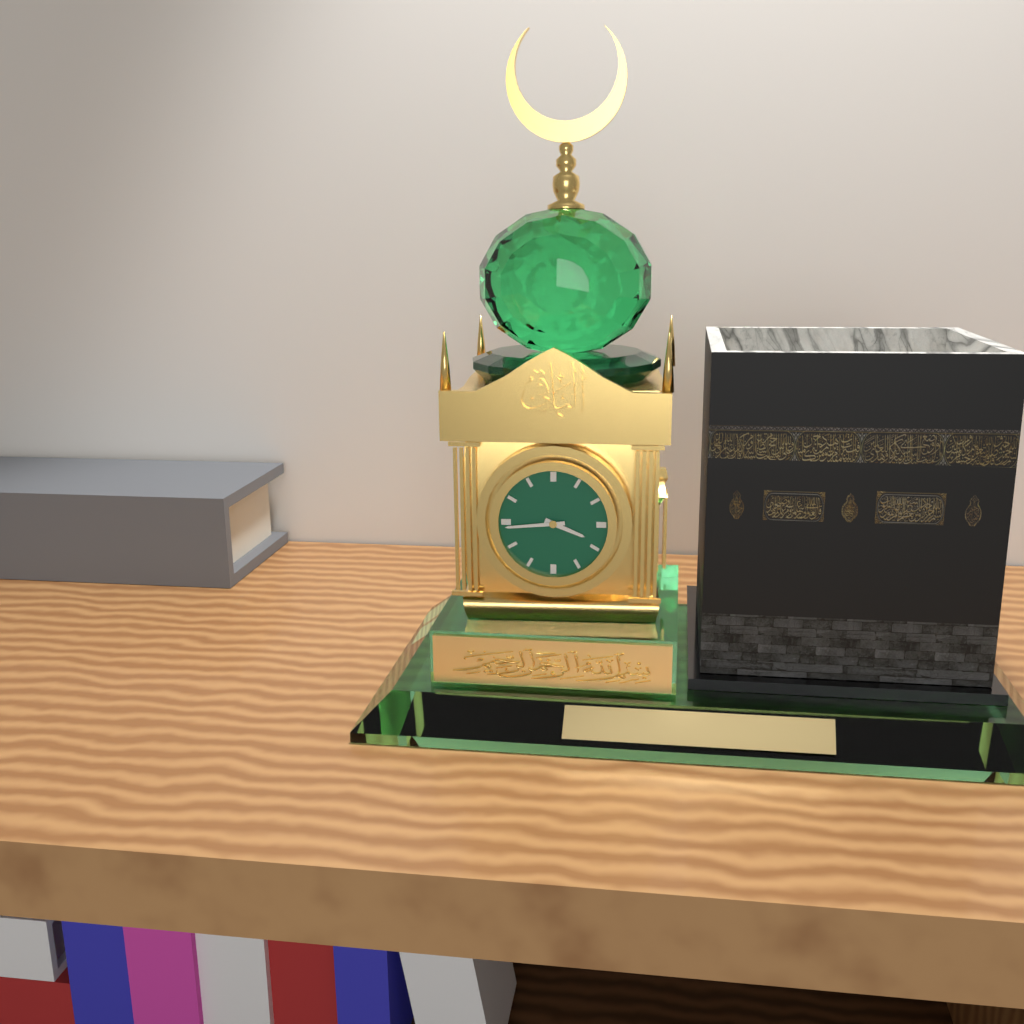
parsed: **3:44**
